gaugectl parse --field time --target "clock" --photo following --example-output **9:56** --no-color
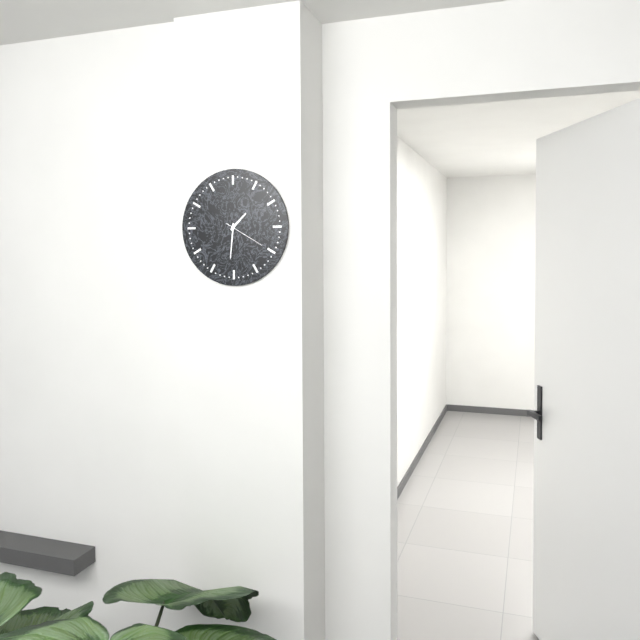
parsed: **1:31**
